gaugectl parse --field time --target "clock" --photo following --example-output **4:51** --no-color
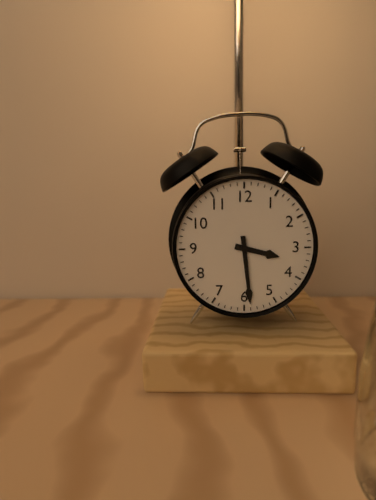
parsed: **3:29**
